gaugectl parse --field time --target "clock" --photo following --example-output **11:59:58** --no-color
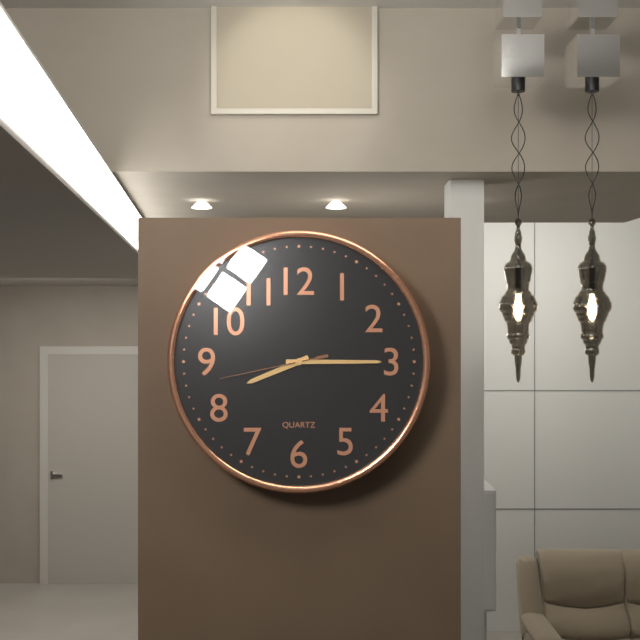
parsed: **8:15:43**
